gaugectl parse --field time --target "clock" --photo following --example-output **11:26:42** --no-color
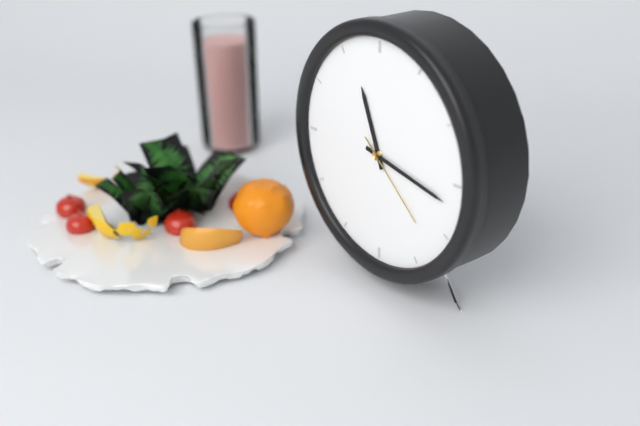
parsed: **11:17:22**
